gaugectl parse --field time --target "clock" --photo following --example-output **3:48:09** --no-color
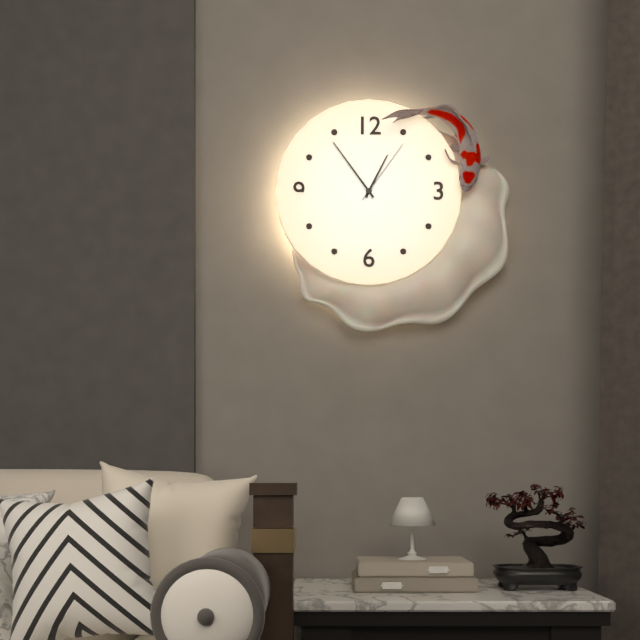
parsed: **12:54:06**
